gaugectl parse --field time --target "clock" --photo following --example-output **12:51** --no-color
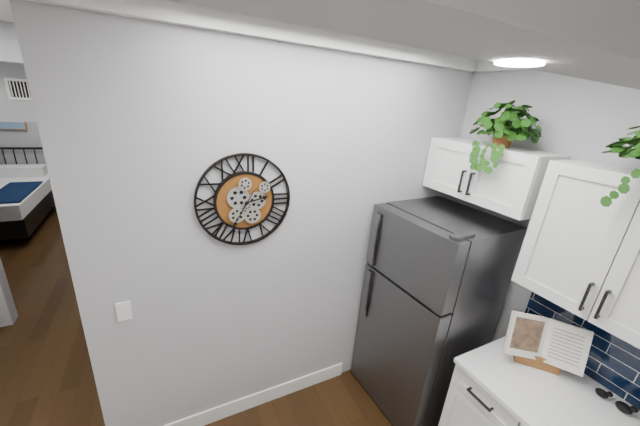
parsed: **2:35**
